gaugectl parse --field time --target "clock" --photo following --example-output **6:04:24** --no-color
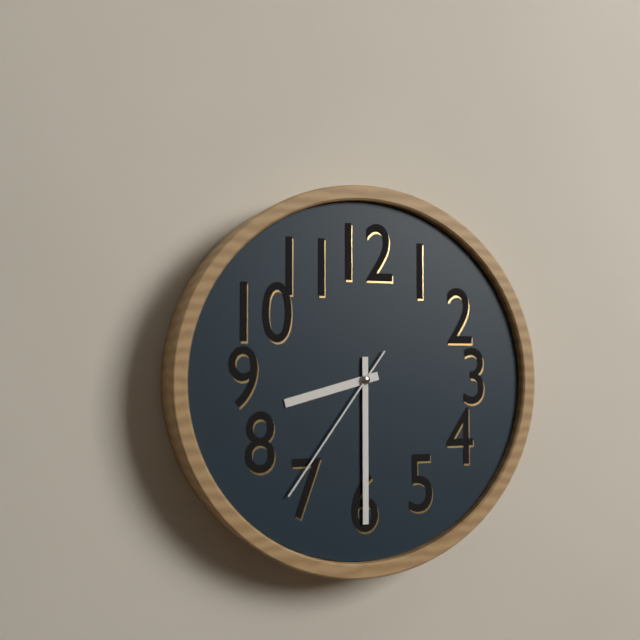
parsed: **8:30:36**
